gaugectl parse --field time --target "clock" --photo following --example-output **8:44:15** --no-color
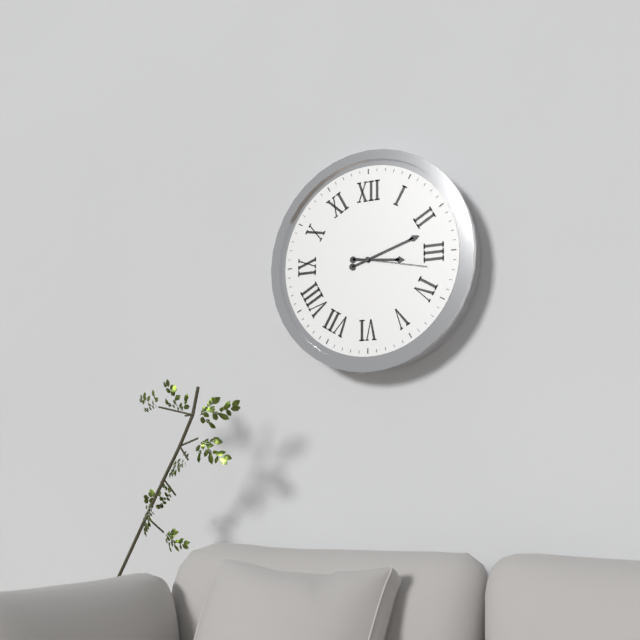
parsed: **3:12:17**
